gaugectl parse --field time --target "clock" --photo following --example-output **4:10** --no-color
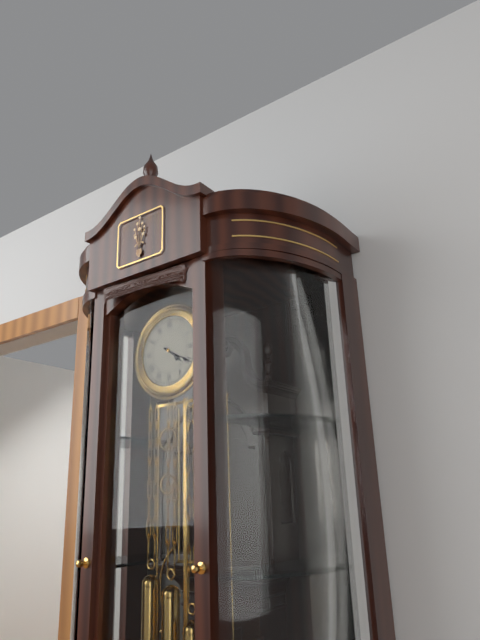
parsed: **4:20**
